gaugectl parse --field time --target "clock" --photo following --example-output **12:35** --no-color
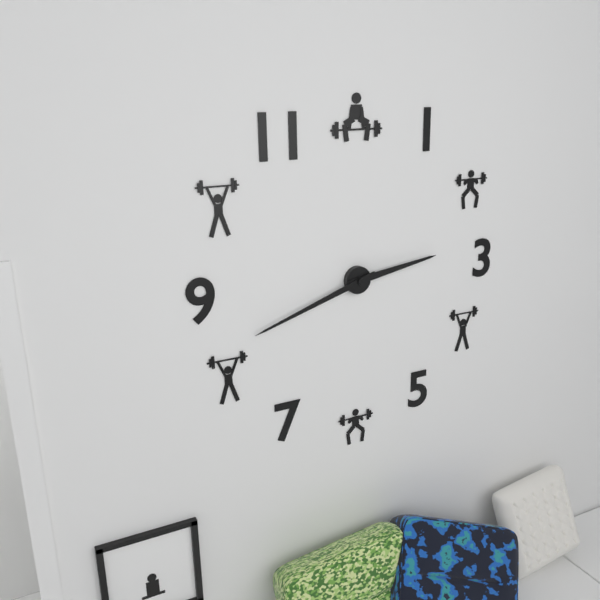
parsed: **2:42**
